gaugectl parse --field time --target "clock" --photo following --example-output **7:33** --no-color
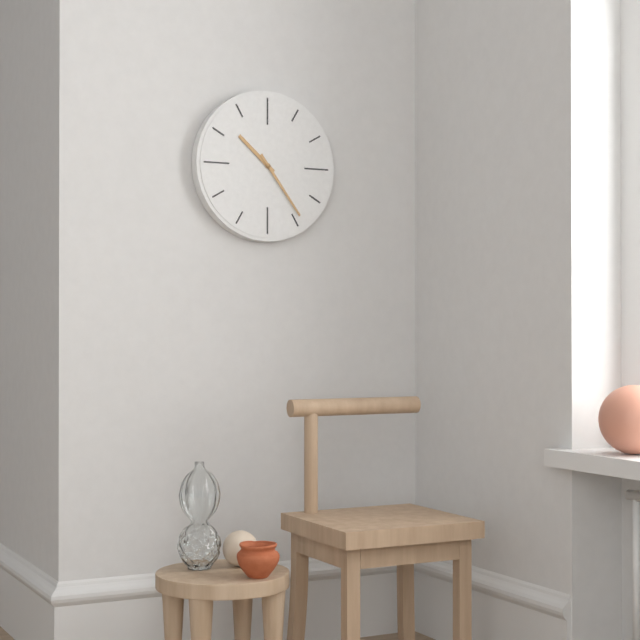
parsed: **10:24**
